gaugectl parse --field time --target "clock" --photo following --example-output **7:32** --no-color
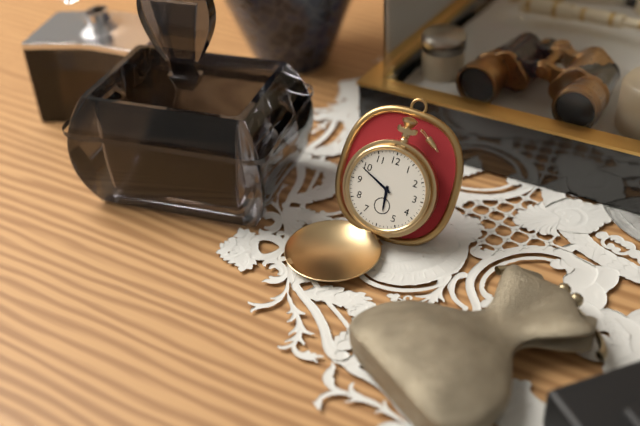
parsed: **5:49**
